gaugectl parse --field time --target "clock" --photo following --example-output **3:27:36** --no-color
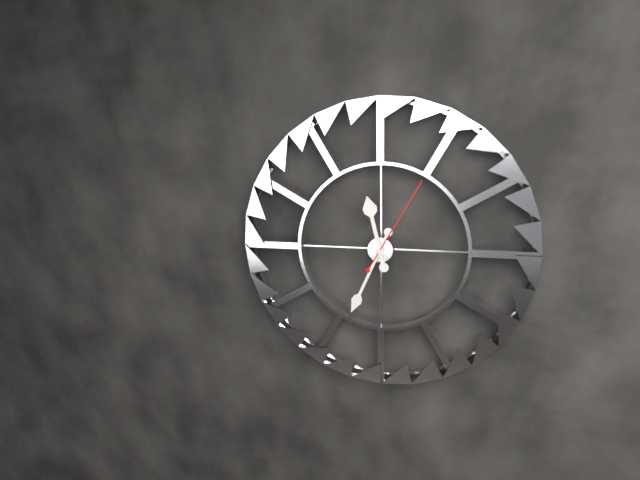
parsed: **11:34:05**
